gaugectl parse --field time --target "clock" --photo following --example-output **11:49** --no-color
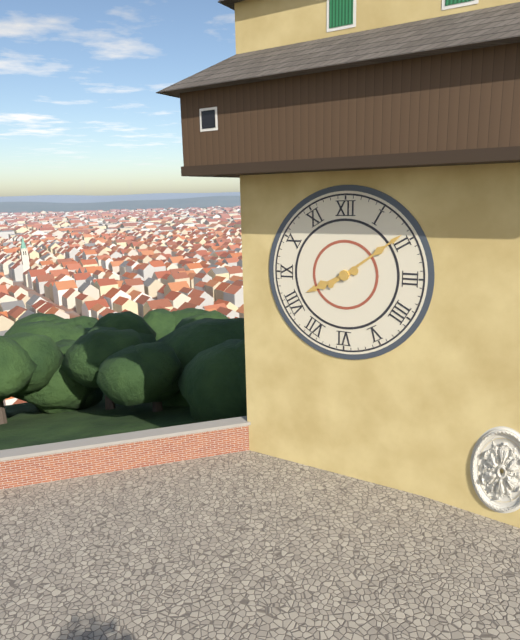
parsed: **8:09**
